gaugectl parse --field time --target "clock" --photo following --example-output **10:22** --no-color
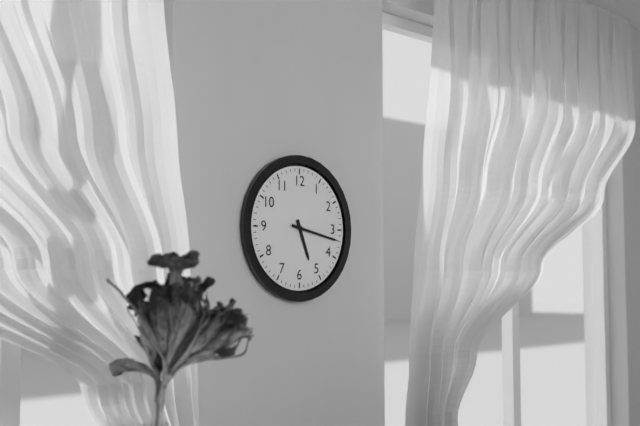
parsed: **5:17**
